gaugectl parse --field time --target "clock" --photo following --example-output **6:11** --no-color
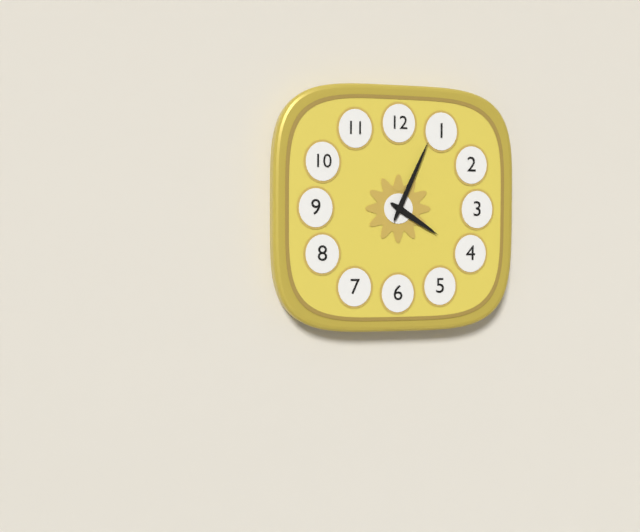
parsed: **4:04**
